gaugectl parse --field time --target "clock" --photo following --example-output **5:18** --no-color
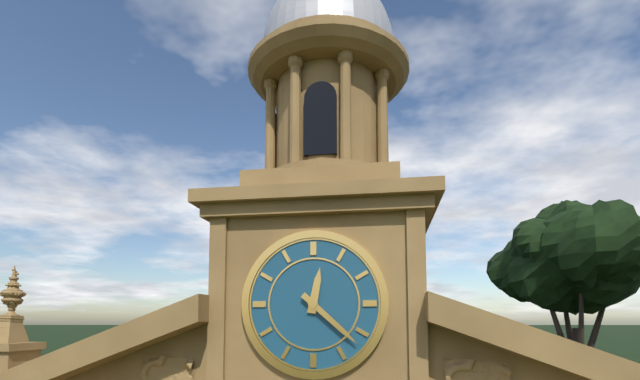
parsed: **12:22**
